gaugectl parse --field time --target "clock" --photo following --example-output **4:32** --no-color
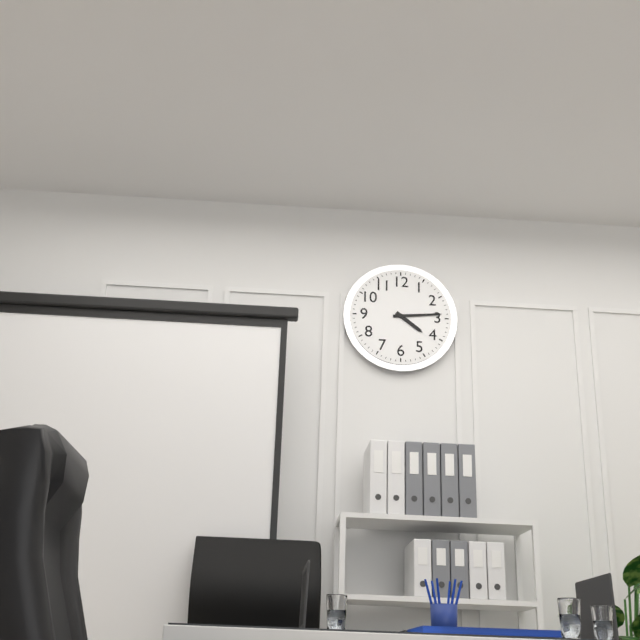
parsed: **4:14**
